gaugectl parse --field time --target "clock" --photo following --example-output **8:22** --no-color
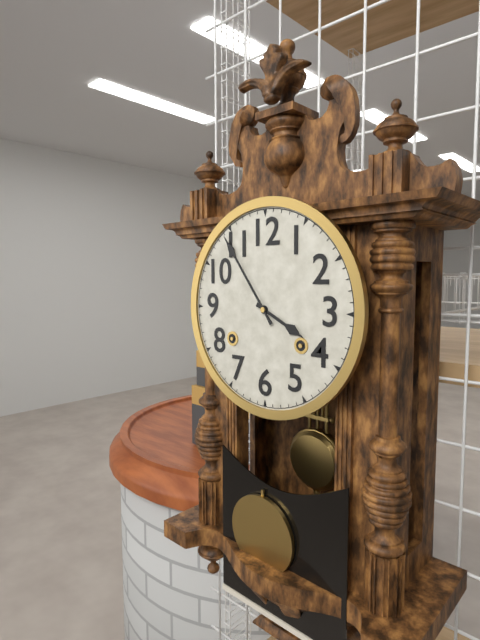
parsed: **3:54**
